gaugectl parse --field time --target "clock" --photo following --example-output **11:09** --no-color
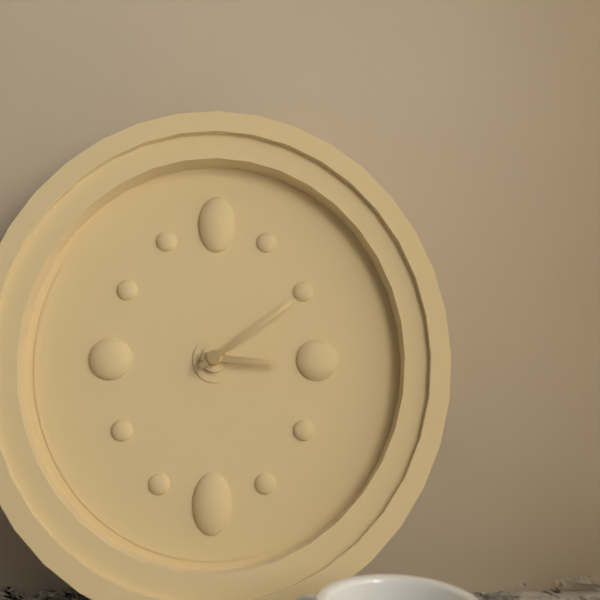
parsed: **3:09**
